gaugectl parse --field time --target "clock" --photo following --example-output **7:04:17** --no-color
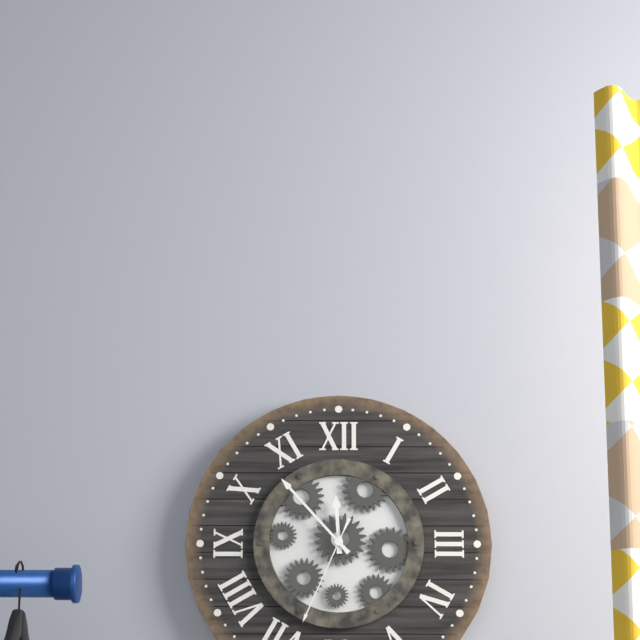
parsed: **11:53:34**
